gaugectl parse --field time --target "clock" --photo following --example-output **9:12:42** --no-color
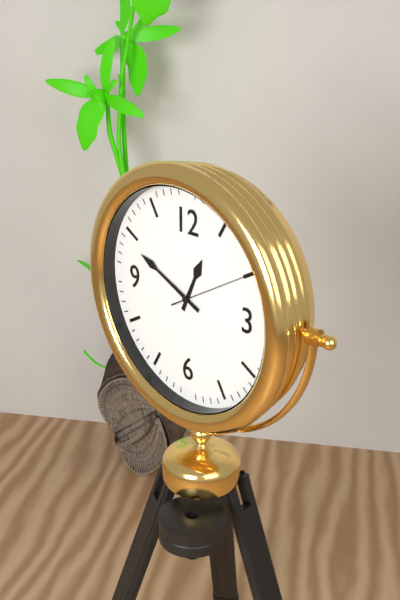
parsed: **12:49:10**
